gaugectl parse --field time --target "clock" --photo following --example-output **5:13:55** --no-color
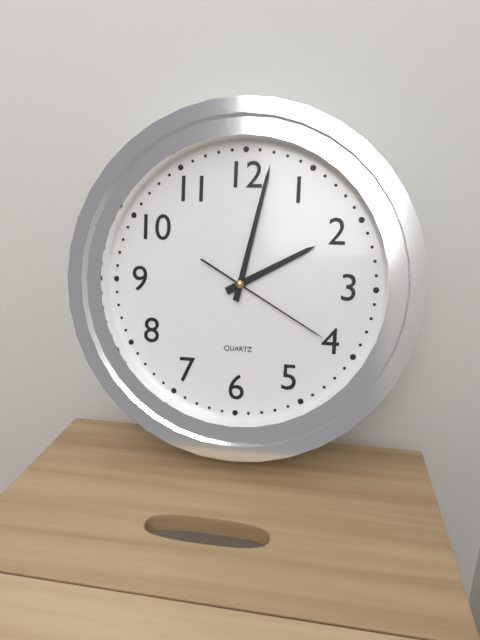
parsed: **2:02:20**
